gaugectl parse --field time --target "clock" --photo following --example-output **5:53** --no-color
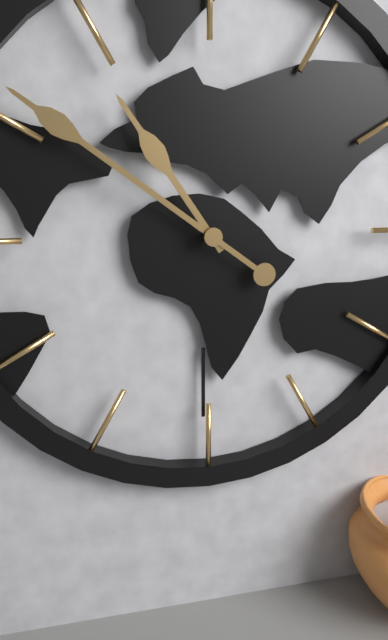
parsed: **10:51**
